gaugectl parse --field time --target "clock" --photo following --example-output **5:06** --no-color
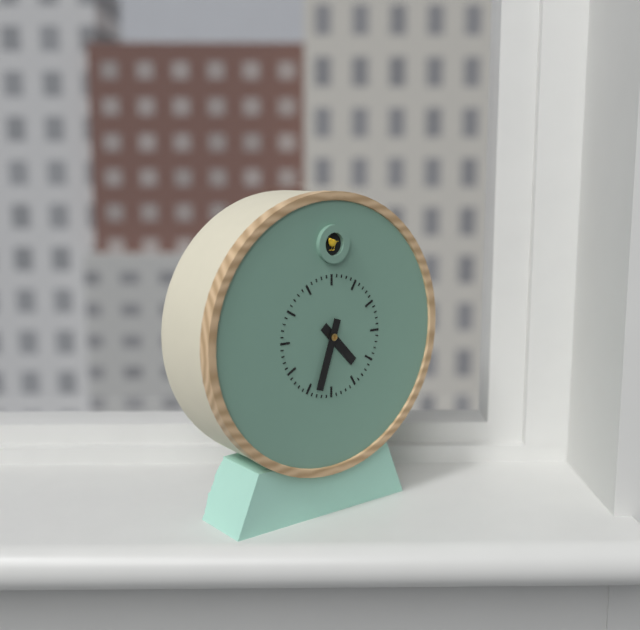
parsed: **4:33**
